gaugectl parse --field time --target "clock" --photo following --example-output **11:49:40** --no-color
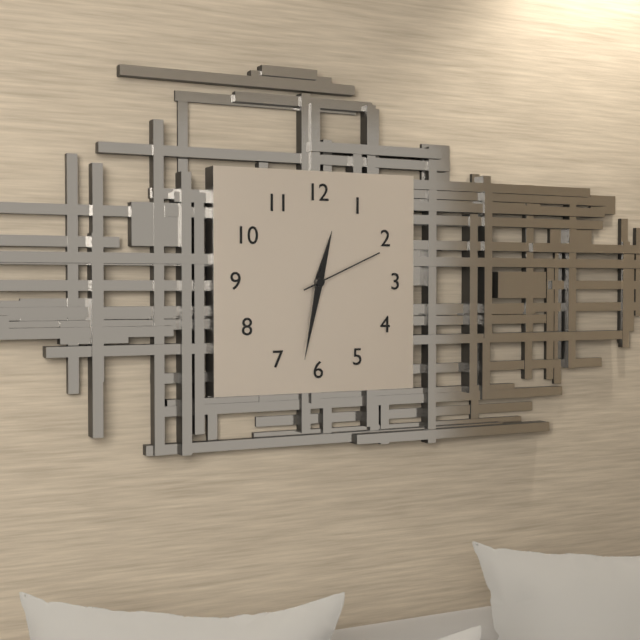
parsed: **12:32:11**
